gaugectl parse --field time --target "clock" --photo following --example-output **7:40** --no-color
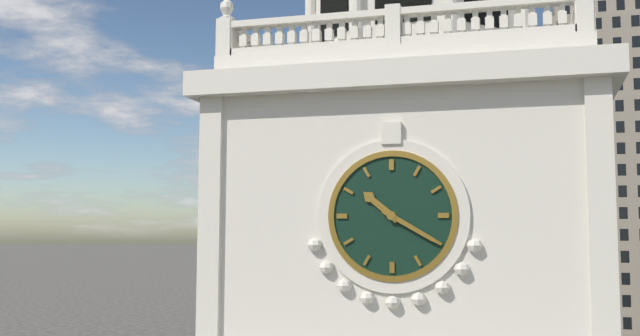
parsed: **10:20**
